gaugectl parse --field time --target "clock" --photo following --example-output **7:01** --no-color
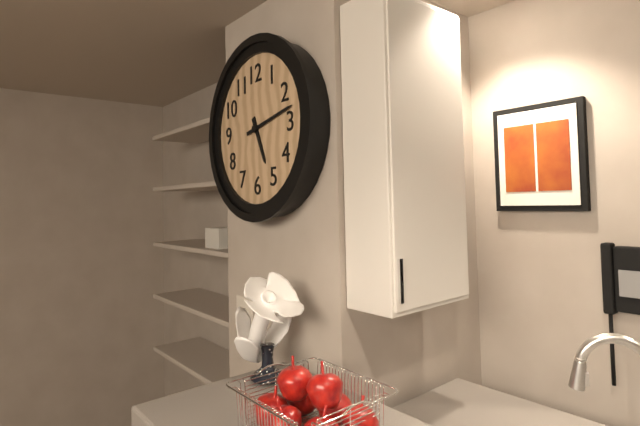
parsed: **5:13**
